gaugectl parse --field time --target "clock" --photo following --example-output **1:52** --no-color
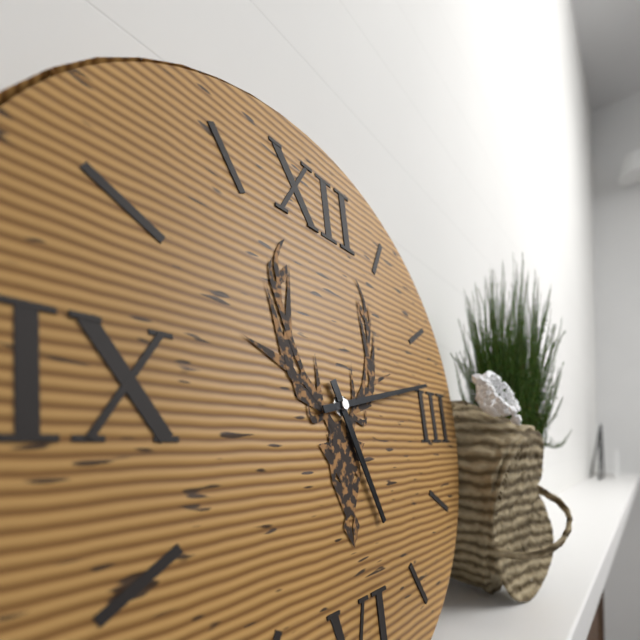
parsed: **5:13**
